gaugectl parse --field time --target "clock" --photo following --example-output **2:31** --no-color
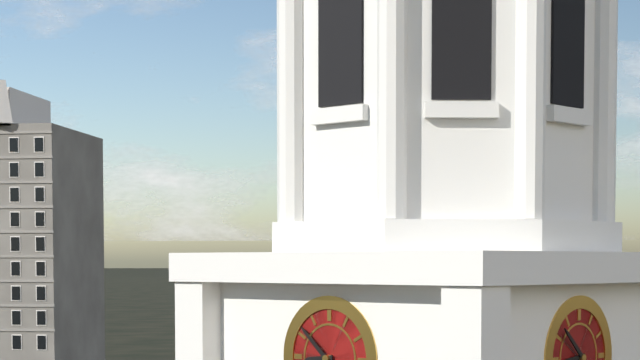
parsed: **8:52**
